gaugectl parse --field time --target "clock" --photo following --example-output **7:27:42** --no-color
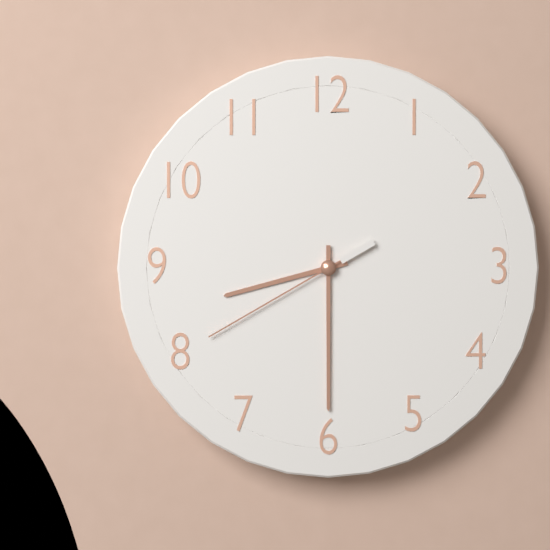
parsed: **8:30:40**
